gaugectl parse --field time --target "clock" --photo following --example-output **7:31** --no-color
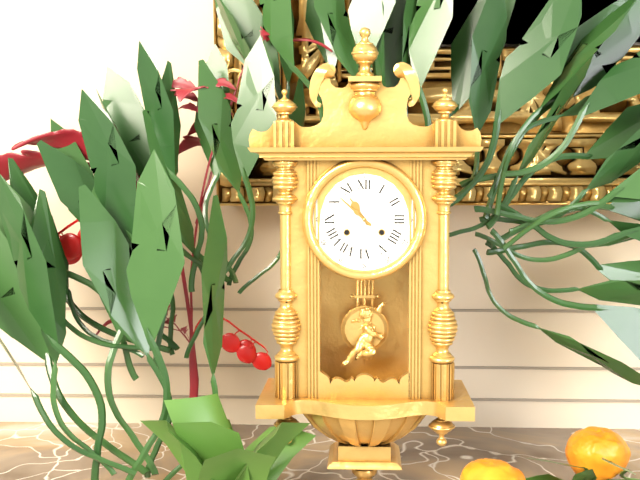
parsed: **10:52**
